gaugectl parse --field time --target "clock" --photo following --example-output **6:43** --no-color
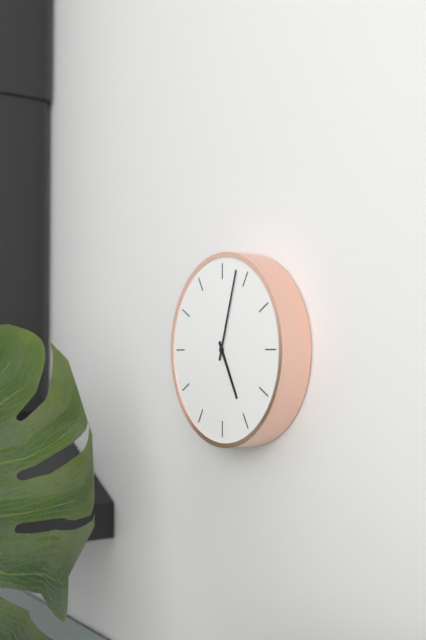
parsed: **5:03**
